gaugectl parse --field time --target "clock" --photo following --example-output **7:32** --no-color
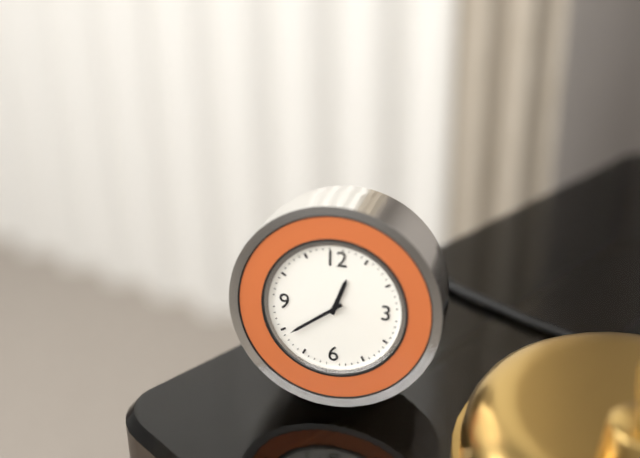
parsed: **12:39**
